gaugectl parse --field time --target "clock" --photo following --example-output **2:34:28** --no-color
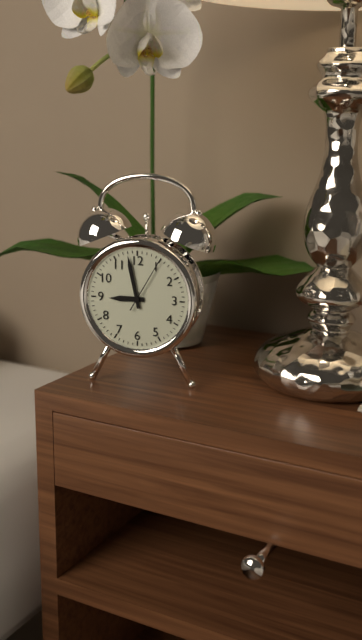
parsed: **8:58:05**
